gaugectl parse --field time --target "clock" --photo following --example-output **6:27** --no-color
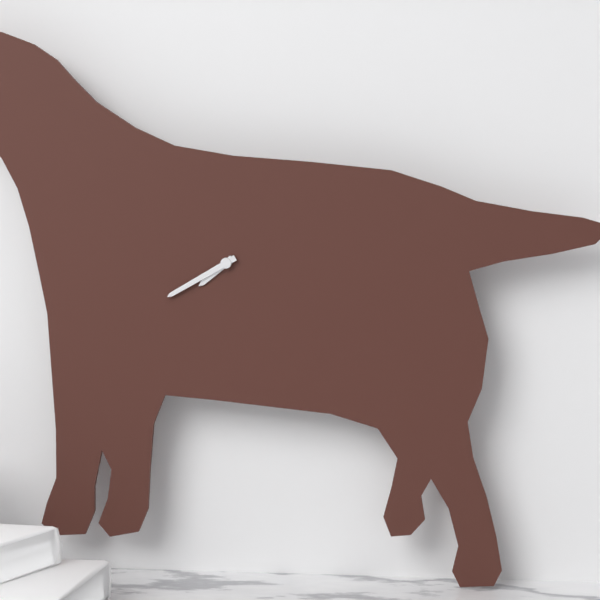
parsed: **7:40**
